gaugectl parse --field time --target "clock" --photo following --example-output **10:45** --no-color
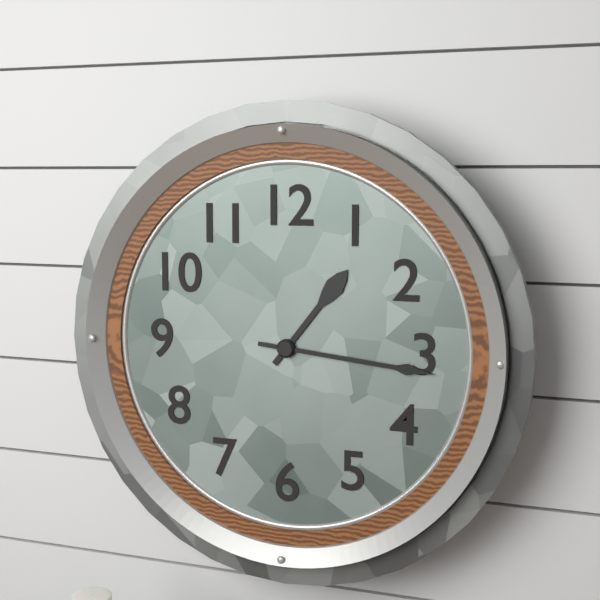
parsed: **1:16**
